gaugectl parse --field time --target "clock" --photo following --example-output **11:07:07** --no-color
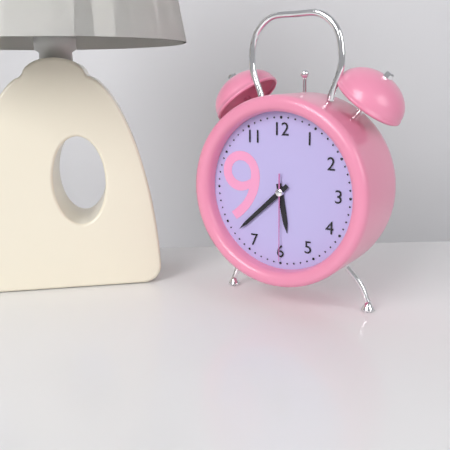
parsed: **5:38:30**
